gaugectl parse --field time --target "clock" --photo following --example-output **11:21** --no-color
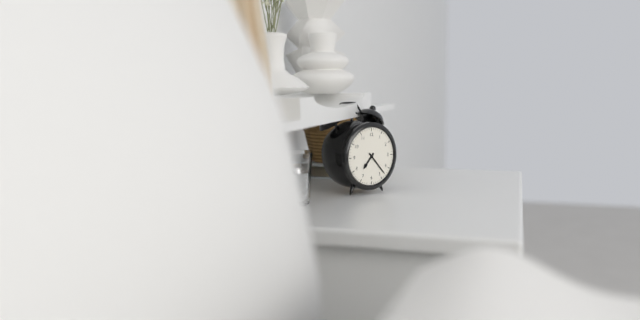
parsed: **7:23**
